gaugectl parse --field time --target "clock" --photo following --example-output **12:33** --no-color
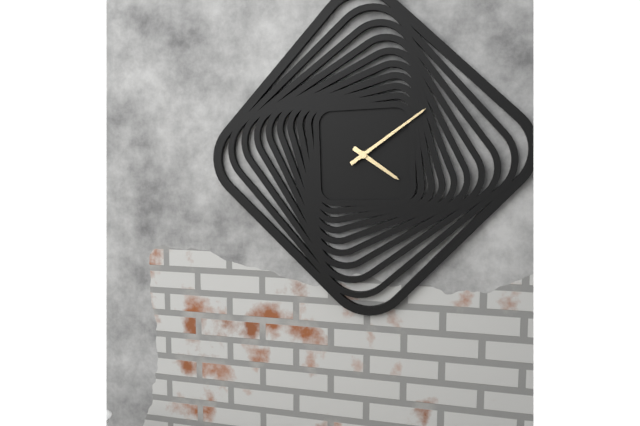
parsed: **4:09**
